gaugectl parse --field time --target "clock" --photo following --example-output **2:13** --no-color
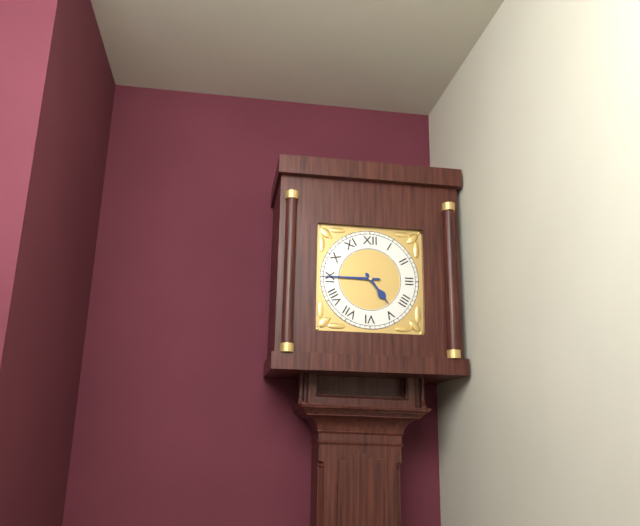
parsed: **4:45**
